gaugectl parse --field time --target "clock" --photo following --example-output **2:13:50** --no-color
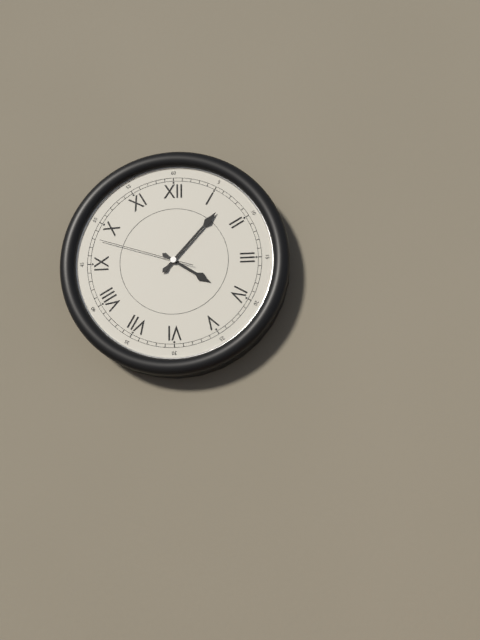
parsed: **4:07:48**
